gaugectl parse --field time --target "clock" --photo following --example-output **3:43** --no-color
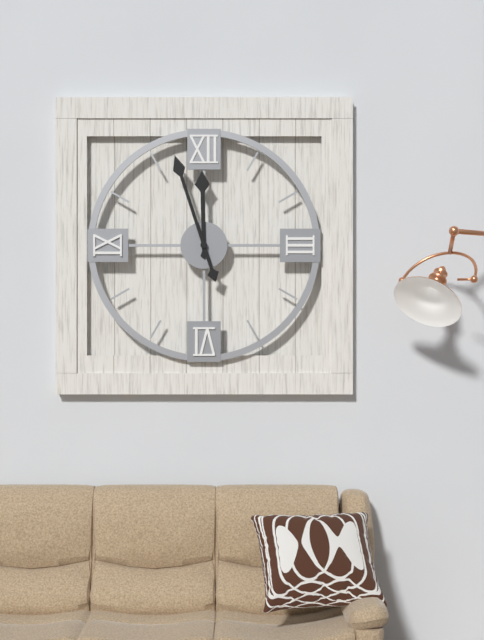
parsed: **11:57**
